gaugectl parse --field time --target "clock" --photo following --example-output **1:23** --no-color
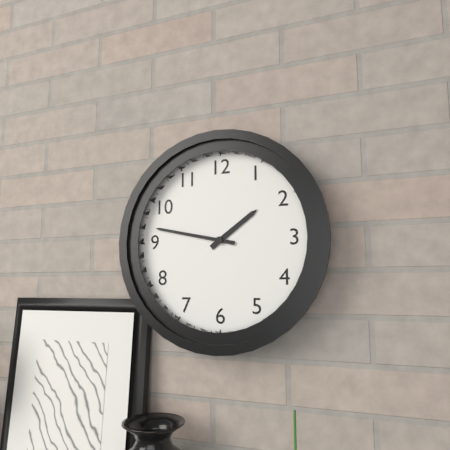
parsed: **1:47**
